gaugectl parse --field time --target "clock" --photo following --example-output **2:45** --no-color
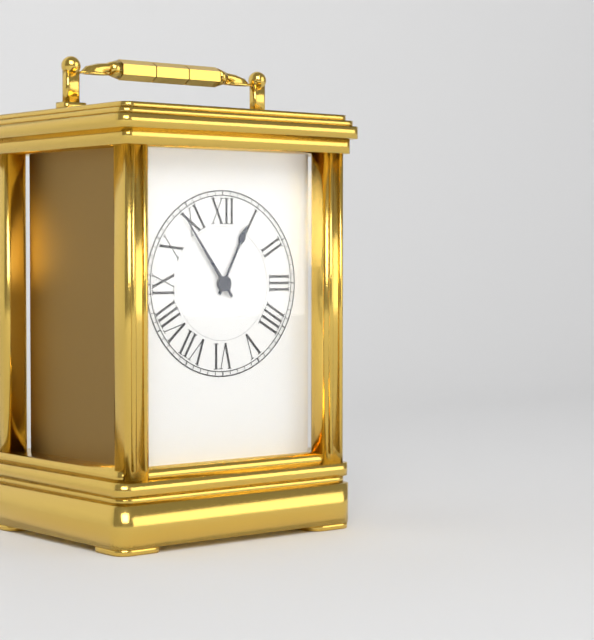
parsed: **12:54**
